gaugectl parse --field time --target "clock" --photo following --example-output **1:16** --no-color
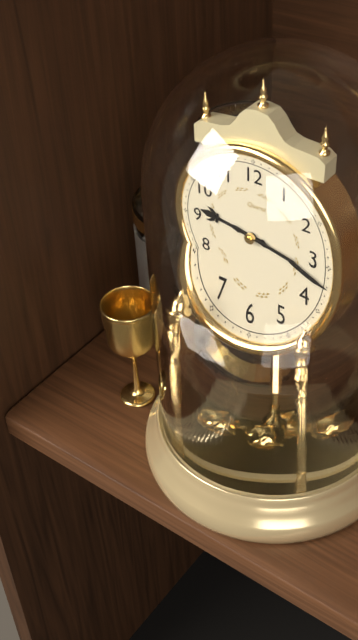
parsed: **9:17**
